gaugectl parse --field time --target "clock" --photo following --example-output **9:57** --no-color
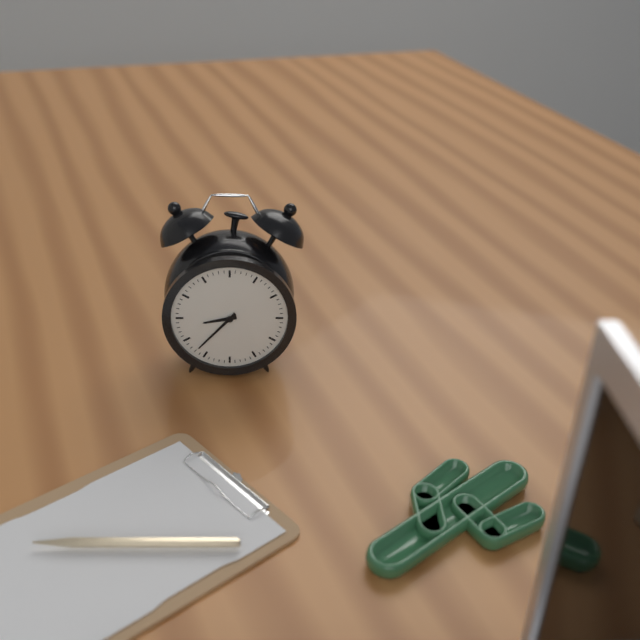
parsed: **8:37**
